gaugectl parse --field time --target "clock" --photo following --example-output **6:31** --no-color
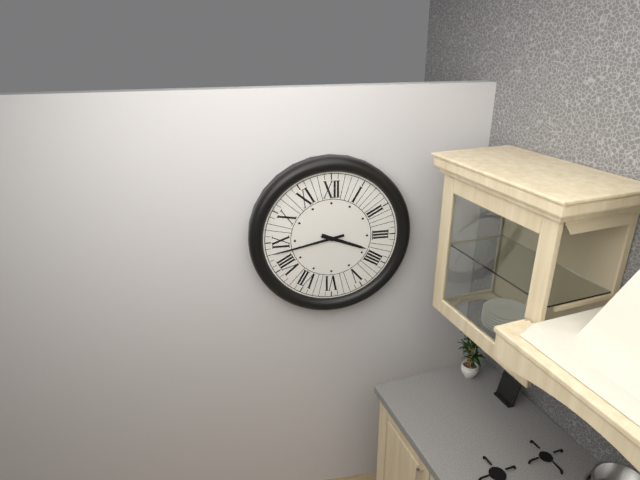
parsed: **3:43**
